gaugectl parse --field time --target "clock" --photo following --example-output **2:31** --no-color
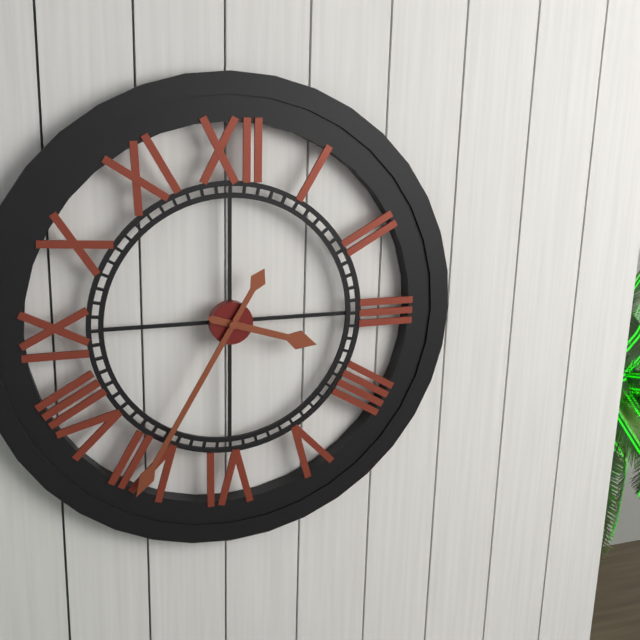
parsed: **3:35**
